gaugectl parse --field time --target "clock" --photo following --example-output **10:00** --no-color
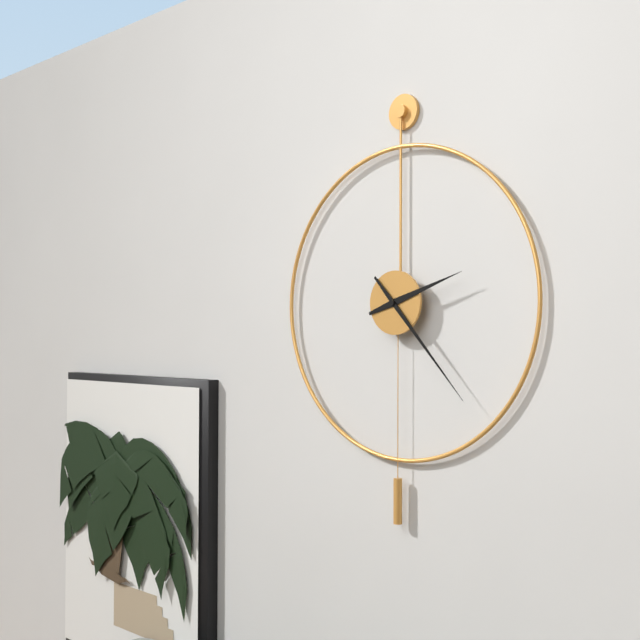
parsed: **2:23**
